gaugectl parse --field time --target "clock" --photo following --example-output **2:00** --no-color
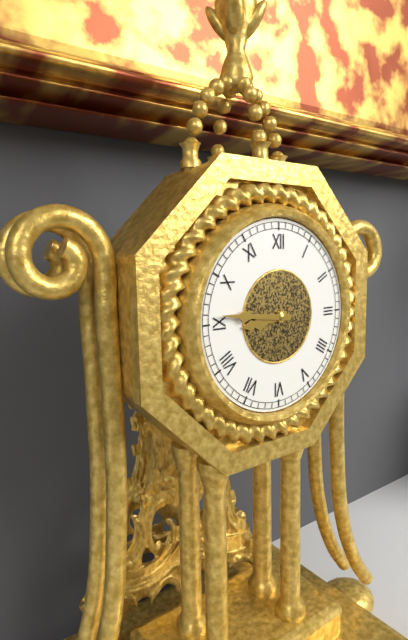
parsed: **8:46**
